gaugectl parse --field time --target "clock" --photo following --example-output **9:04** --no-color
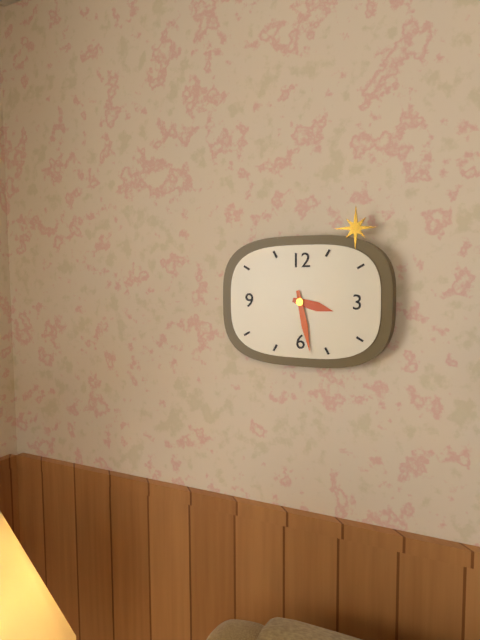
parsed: **3:28**
